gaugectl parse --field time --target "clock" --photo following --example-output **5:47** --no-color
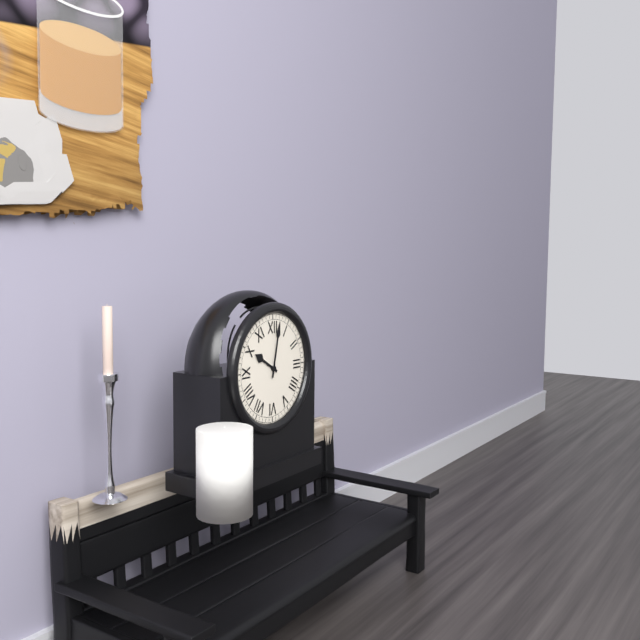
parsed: **10:02**
